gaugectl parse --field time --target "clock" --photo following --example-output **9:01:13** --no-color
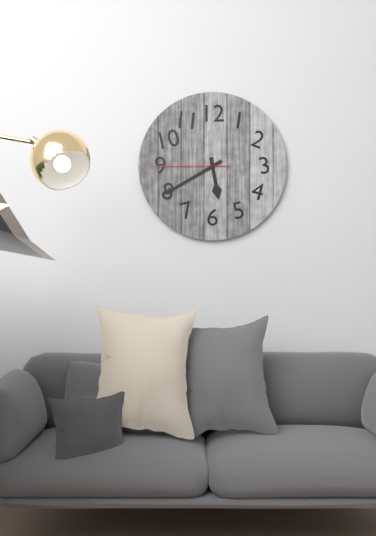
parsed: **5:40:45**
